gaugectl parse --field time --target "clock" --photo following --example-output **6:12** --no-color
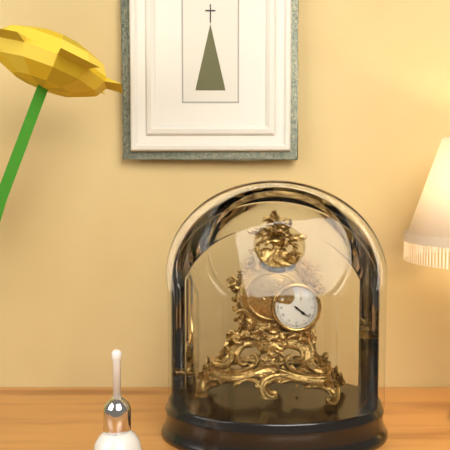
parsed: **4:21**
